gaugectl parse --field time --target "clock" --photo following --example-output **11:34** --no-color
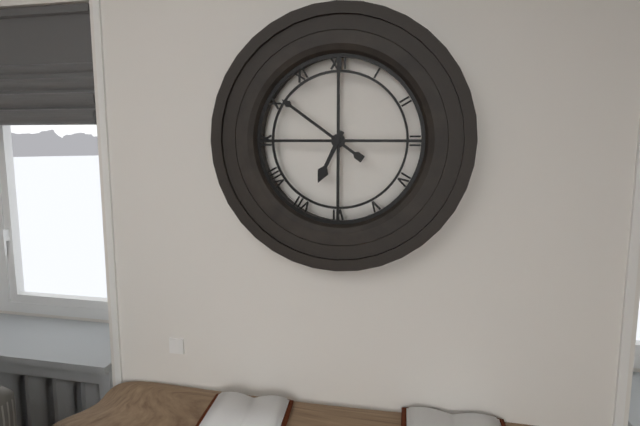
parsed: **6:51**
